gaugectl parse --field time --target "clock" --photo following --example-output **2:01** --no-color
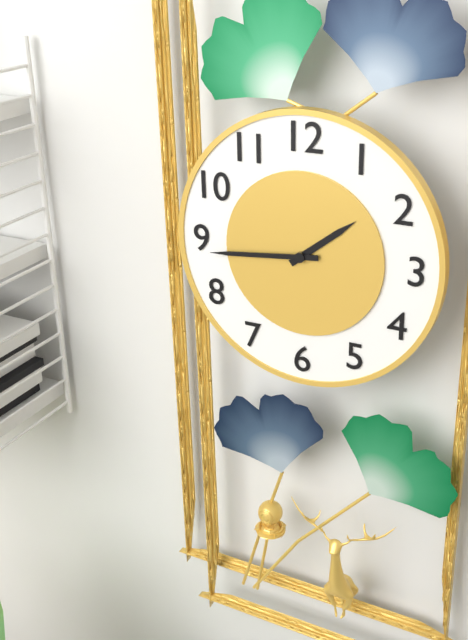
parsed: **1:44**
